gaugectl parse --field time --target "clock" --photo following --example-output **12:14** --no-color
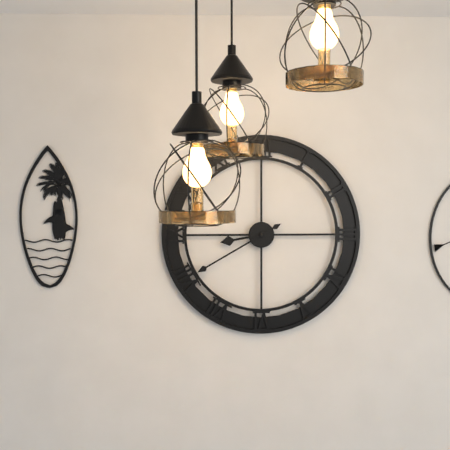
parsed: **8:40**
